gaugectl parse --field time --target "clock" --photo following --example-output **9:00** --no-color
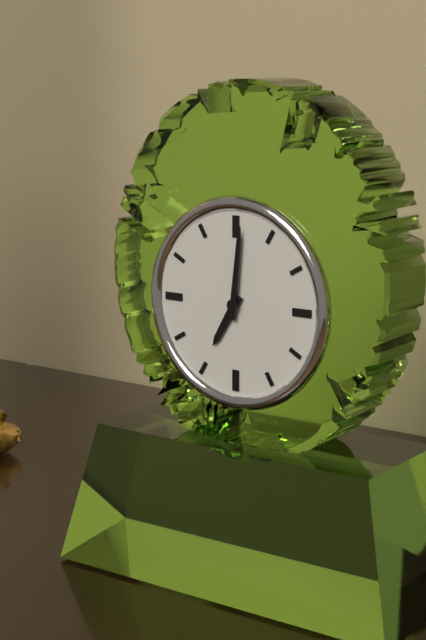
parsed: **7:01**
